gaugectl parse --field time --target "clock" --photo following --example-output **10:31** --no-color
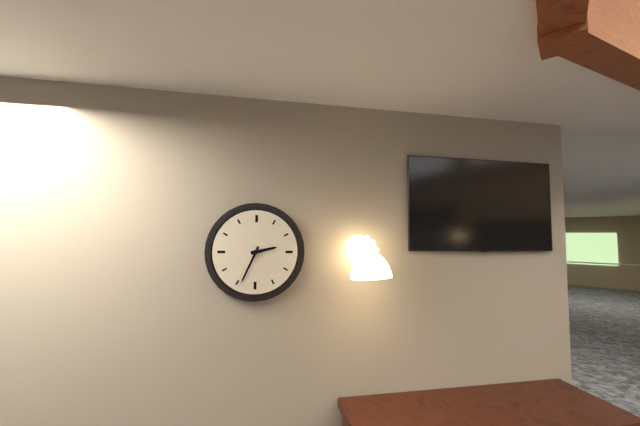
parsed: **2:34**
